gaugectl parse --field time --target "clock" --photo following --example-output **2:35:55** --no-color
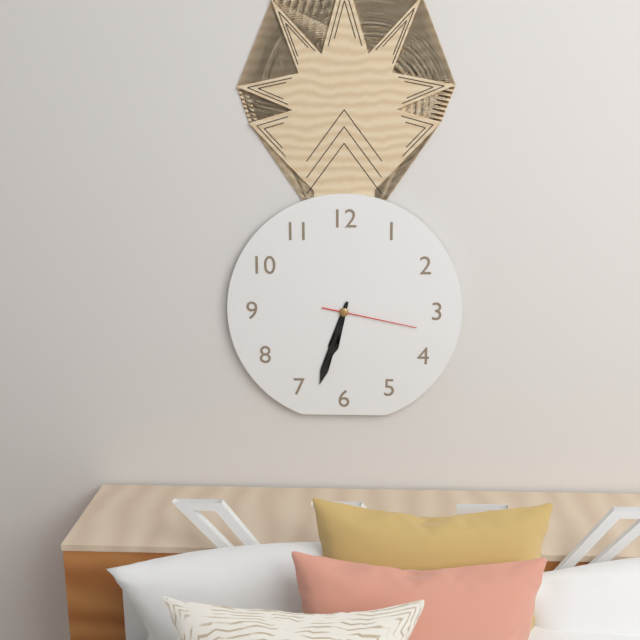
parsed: **6:33:17**
